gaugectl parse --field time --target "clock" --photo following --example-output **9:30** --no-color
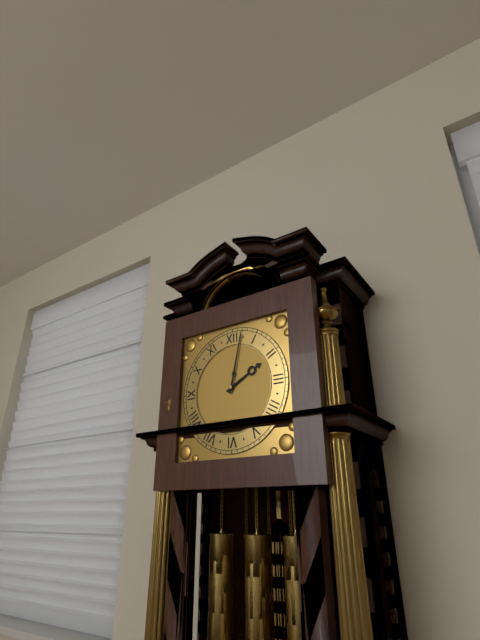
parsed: **2:02**
